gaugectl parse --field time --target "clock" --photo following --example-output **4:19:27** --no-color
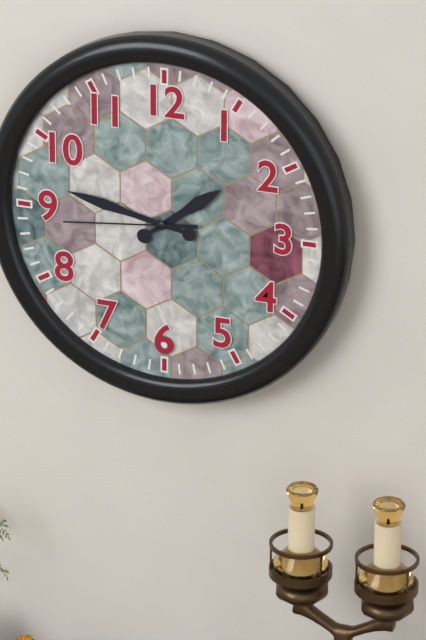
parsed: **1:47:44**
